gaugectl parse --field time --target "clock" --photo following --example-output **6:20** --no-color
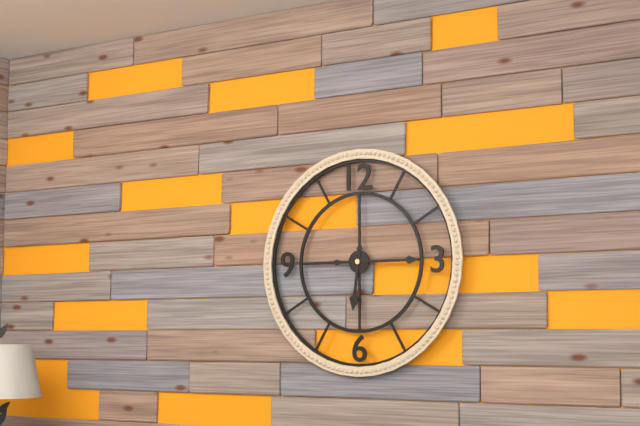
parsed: **6:15**
